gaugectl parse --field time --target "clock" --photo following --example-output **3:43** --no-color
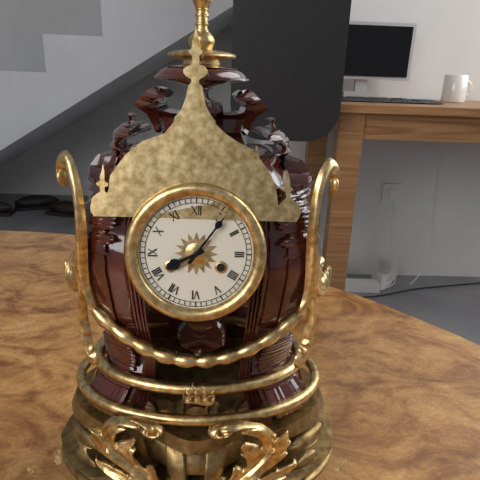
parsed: **8:06**
